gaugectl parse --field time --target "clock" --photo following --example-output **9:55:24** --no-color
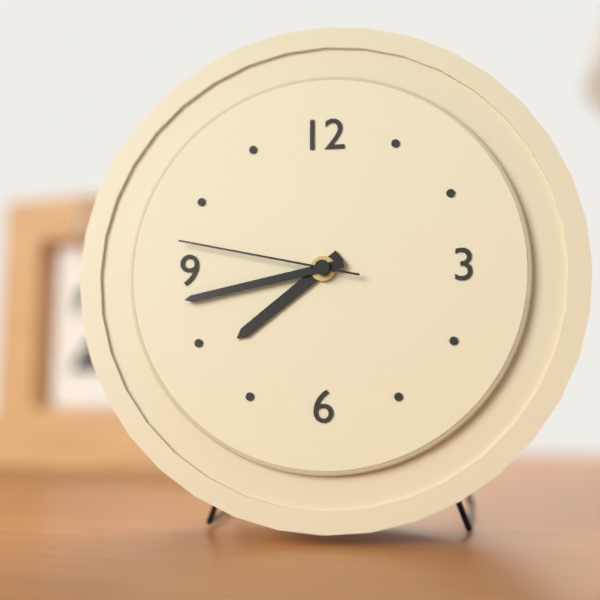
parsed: **7:43:47**
